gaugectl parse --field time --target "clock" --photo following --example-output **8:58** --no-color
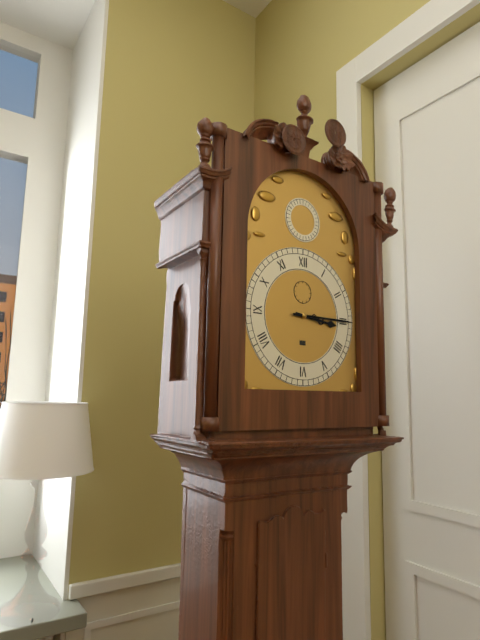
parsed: **3:15**
